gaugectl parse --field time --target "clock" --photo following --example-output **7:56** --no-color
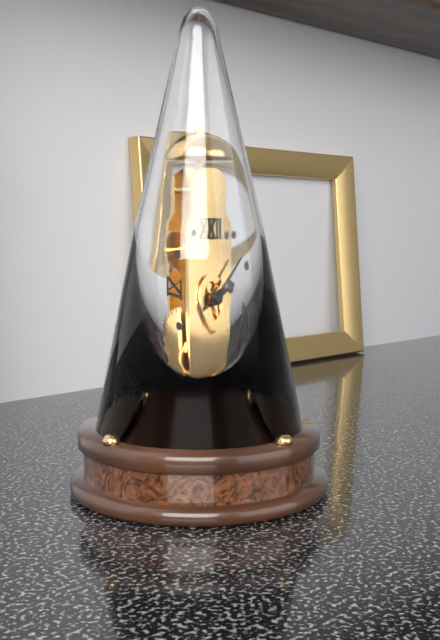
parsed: **2:08**
